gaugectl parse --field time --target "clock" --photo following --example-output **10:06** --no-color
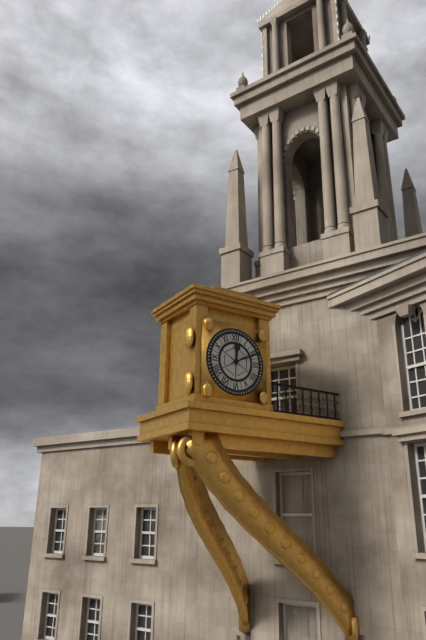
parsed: **12:11**
